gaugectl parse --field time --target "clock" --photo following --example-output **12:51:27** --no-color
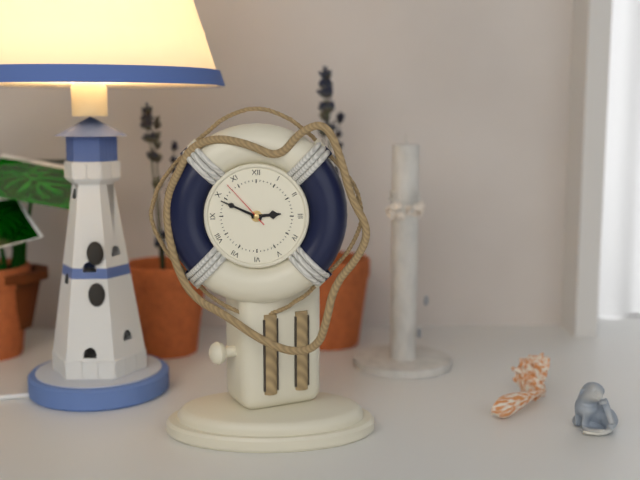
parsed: **2:49:53**
